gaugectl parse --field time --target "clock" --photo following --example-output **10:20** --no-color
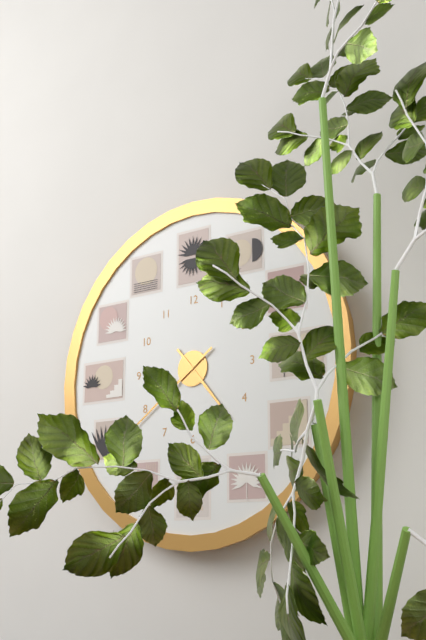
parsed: **4:39**
